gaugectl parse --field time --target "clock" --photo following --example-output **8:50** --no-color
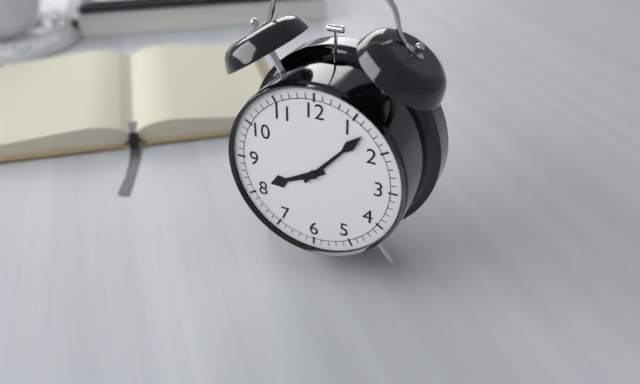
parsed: **8:07**
